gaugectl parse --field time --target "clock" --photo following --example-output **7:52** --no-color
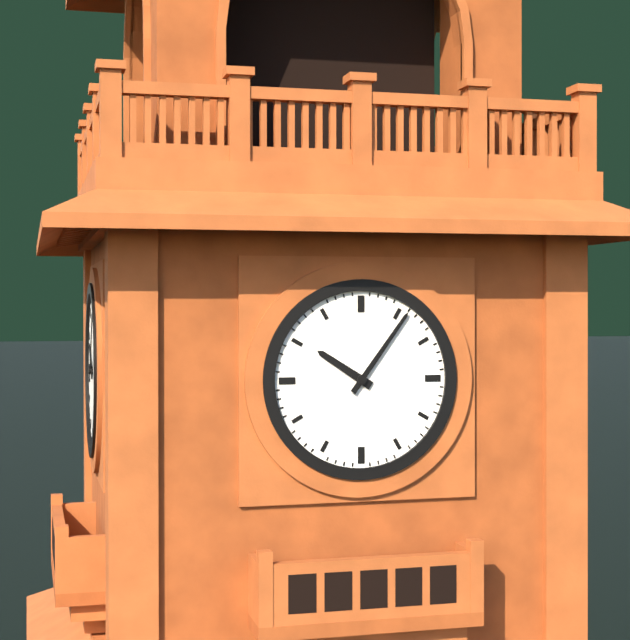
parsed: **10:06**
